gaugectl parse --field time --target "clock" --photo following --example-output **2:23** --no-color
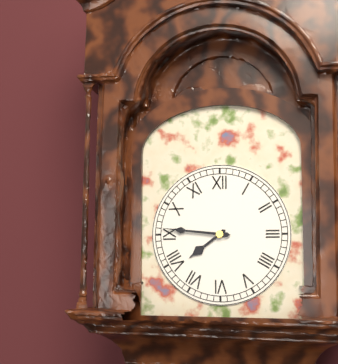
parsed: **7:46**
